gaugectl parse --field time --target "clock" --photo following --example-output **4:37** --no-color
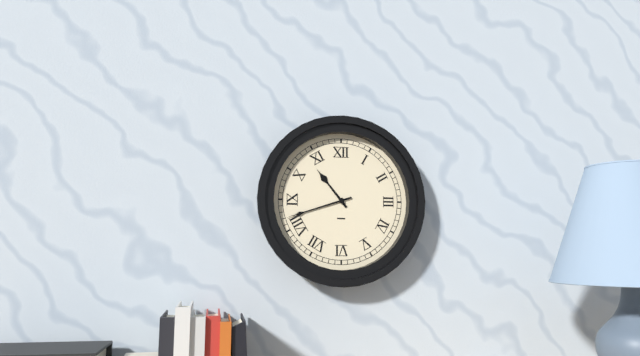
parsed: **10:42**
